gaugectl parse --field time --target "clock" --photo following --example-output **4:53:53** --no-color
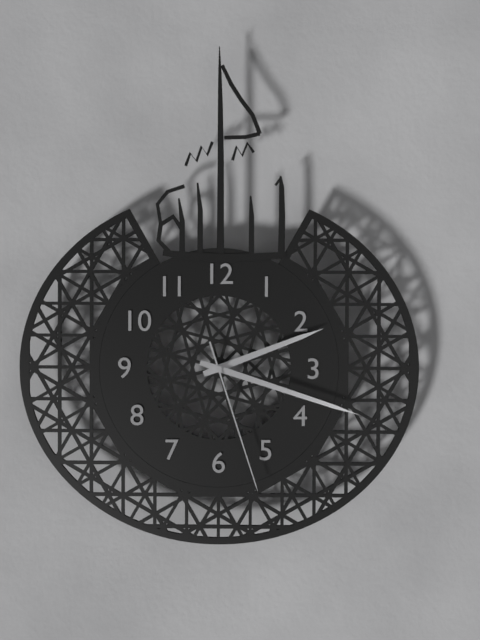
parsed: **2:18:27**
